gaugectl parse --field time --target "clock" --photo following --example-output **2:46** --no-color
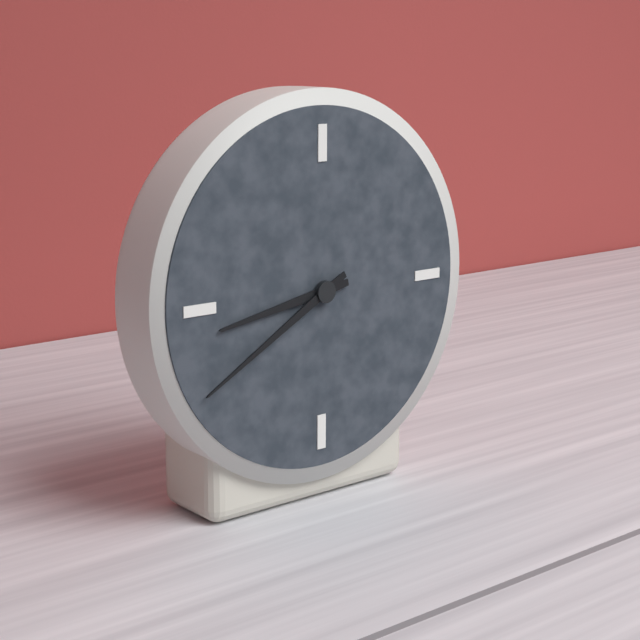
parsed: **8:40**
